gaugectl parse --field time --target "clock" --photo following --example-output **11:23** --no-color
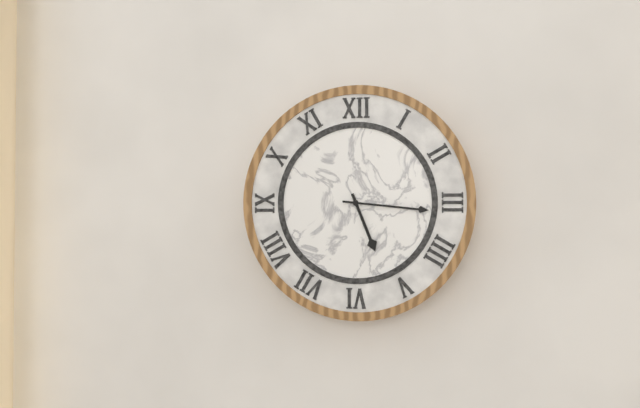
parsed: **5:16**
